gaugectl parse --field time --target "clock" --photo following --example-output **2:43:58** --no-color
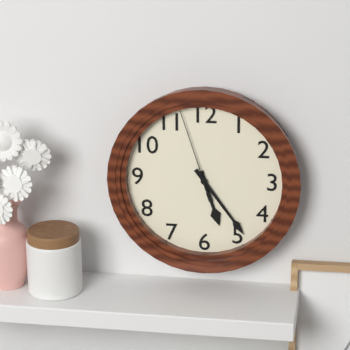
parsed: **5:24:57**
